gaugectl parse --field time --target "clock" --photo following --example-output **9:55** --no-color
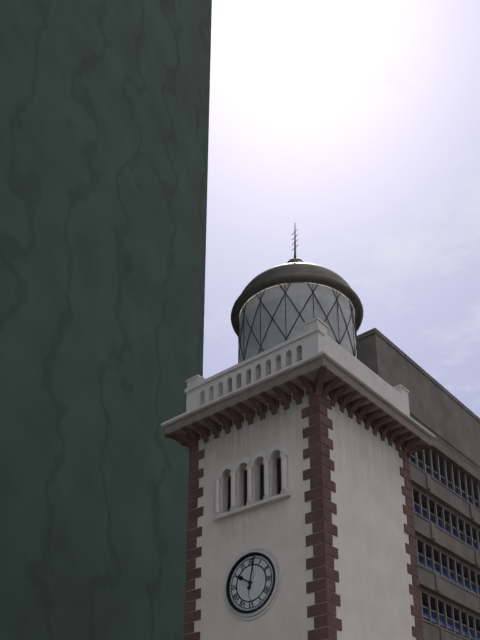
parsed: **10:02**
